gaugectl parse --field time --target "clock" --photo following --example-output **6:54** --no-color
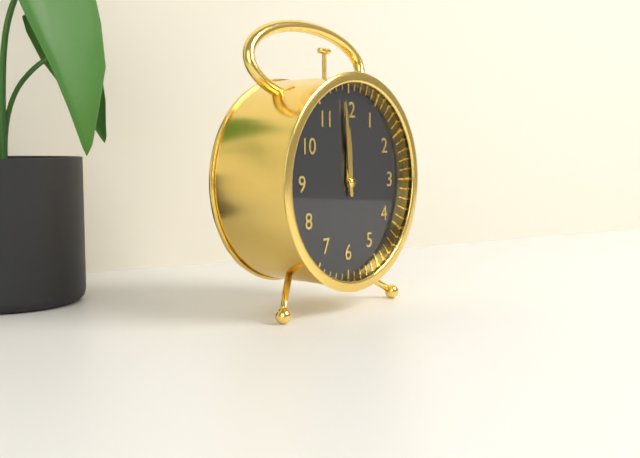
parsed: **11:59**
